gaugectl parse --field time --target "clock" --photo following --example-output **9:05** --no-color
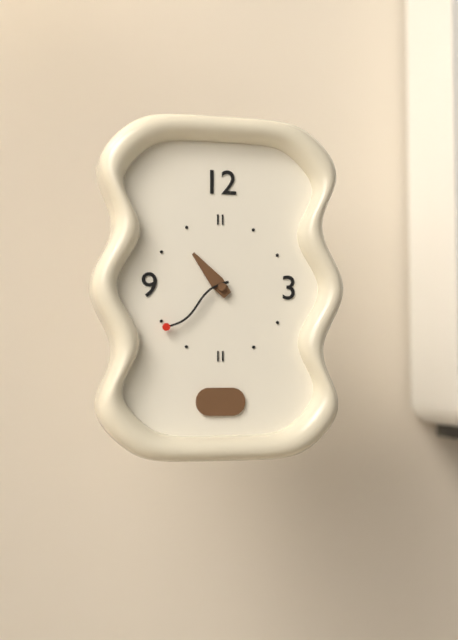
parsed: **10:39**
